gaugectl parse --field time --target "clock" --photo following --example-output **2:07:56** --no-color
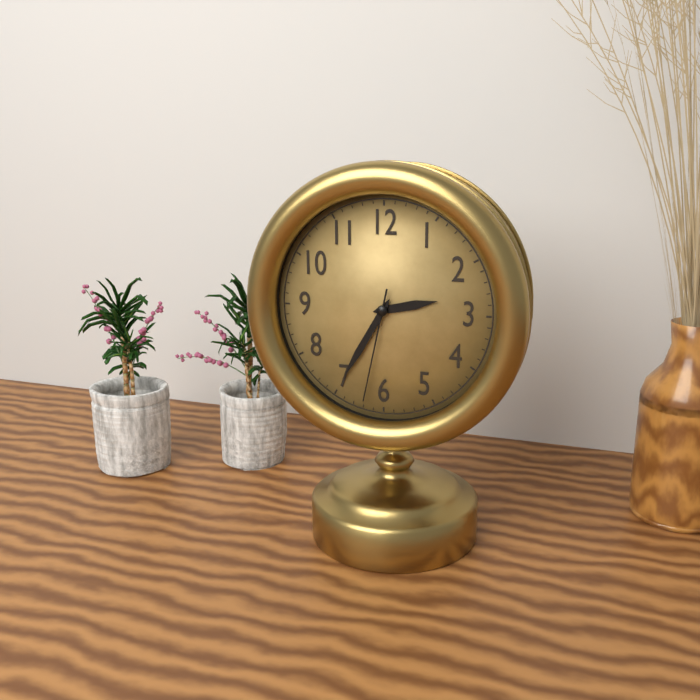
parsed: **2:35:32**
